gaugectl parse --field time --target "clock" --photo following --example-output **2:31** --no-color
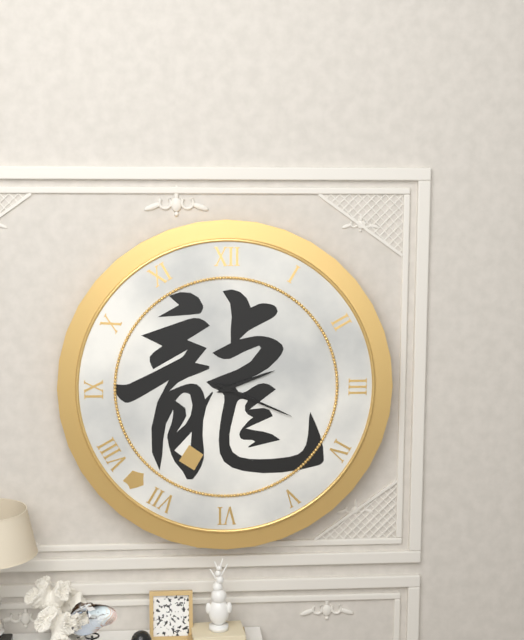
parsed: **2:19**
